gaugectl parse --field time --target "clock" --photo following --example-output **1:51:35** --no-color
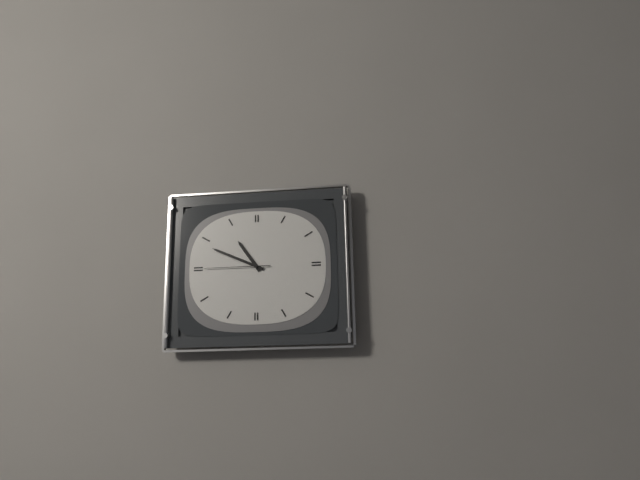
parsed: **10:49:45**
